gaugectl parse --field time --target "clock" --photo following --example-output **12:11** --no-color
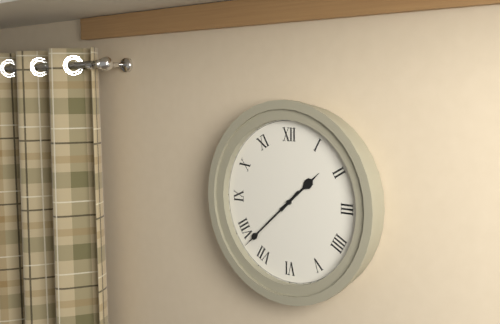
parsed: **1:38**
